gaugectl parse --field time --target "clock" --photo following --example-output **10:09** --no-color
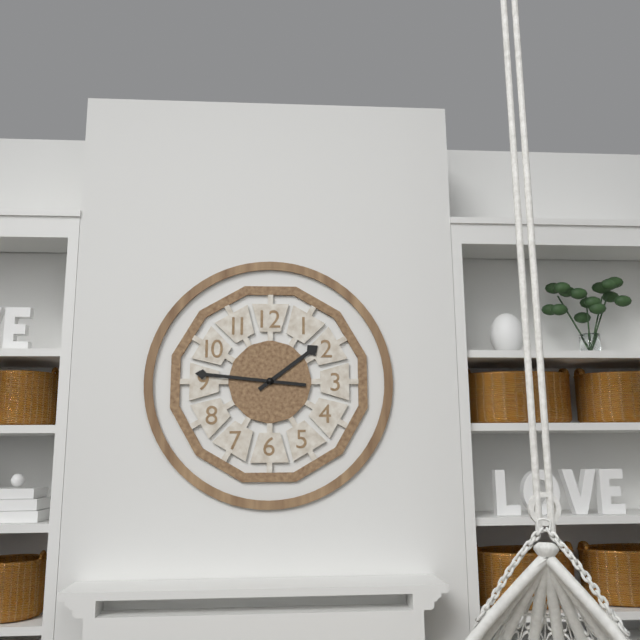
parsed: **1:46**
